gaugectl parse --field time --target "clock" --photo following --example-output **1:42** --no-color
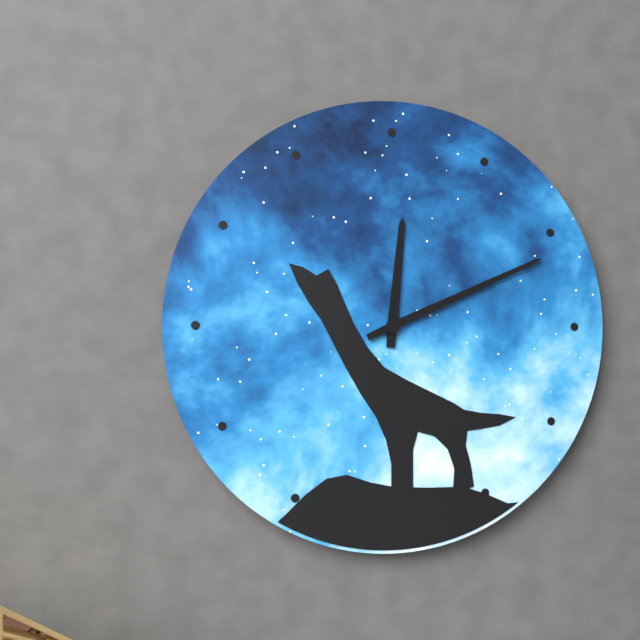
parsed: **12:11**
